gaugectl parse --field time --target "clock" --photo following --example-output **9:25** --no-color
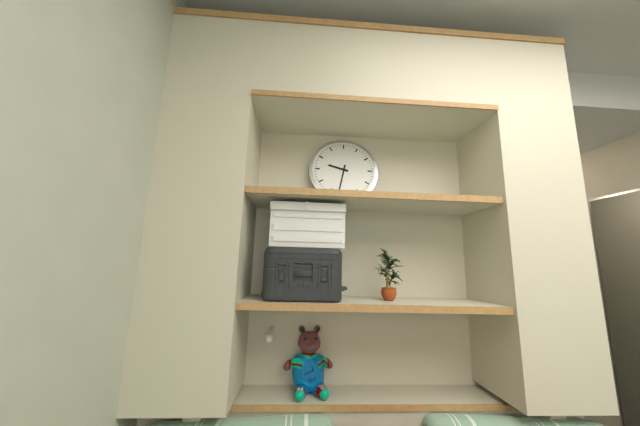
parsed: **9:32**
